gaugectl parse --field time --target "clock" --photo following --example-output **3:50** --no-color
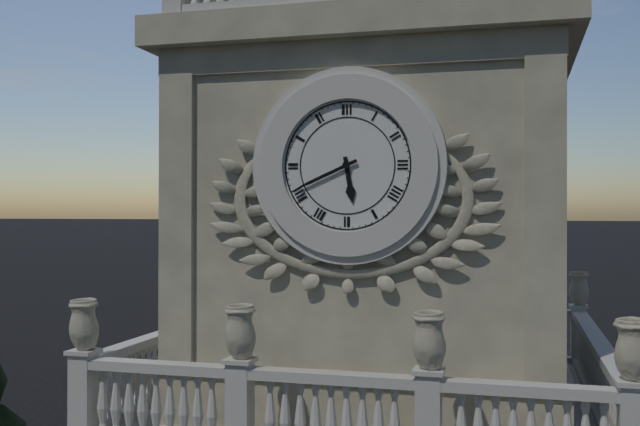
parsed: **5:41**
